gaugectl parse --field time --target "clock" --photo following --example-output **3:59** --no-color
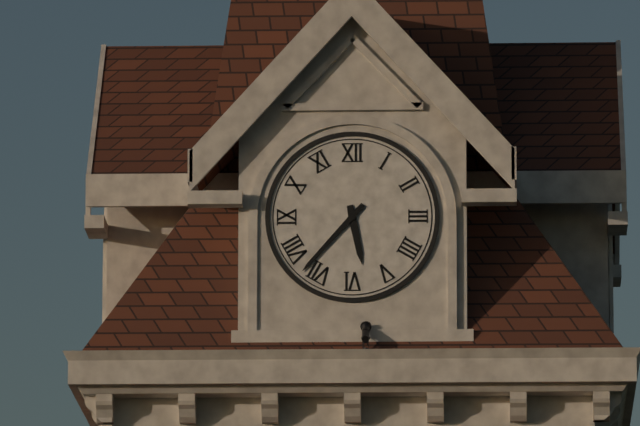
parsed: **5:37**
